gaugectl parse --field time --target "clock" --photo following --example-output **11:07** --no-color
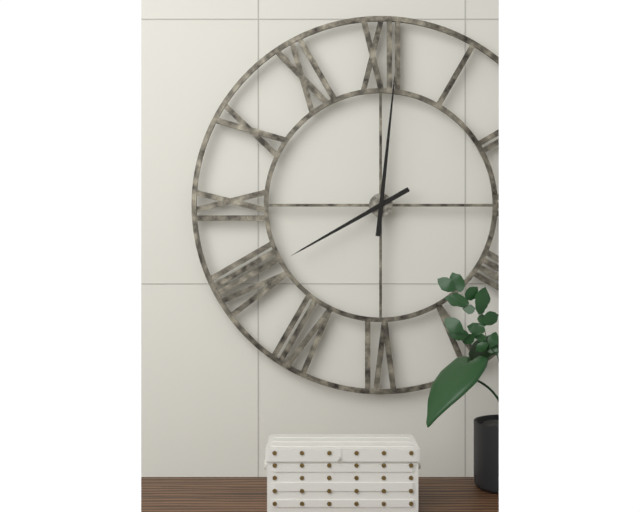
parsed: **8:01**
